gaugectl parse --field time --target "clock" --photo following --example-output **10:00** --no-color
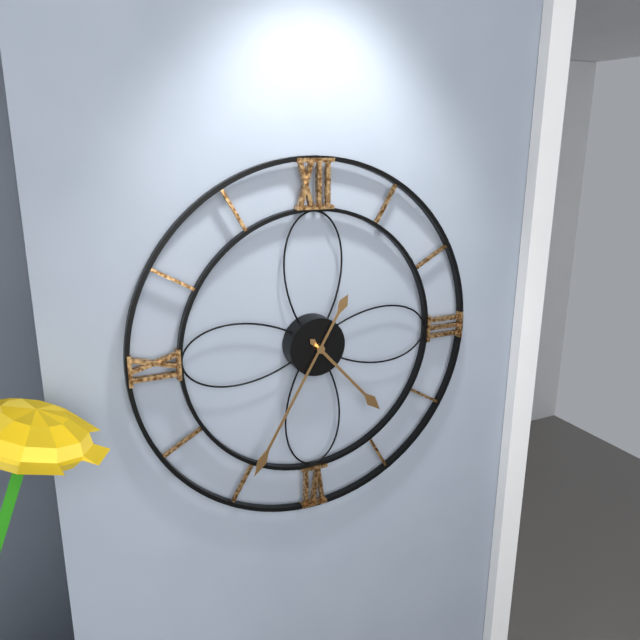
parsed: **4:35**
